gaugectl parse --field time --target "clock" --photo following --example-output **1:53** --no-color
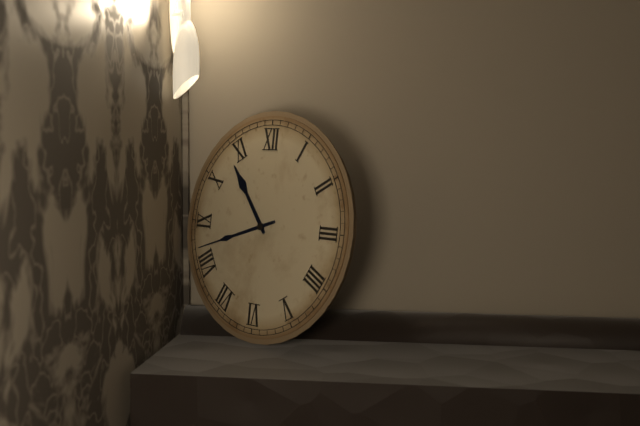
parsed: **10:42**
